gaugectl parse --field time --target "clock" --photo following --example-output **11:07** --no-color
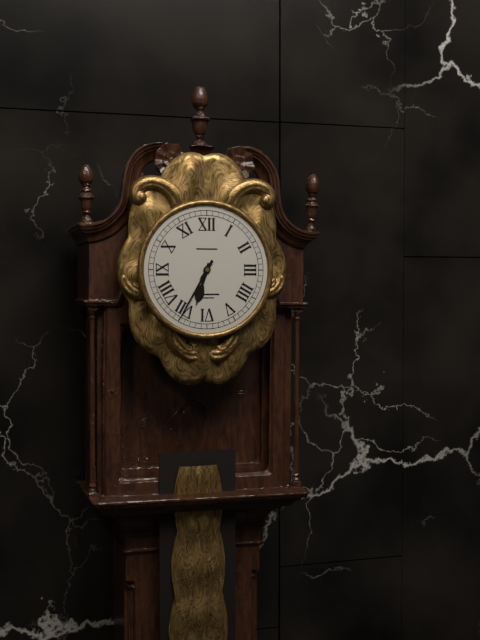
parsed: **6:35**
